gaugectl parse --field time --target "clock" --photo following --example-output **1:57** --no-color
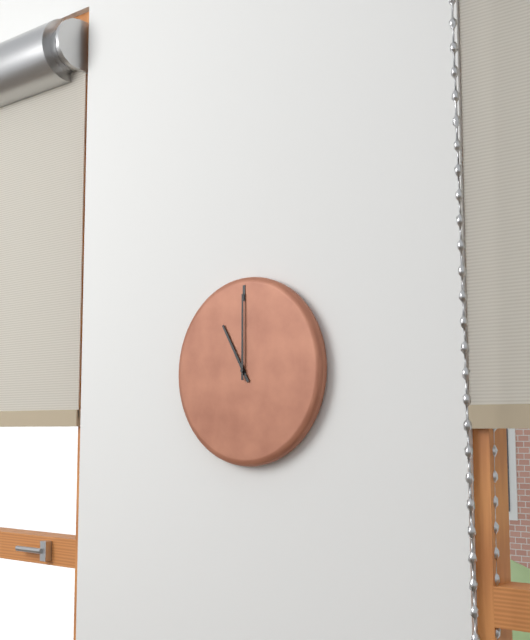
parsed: **11:00**
